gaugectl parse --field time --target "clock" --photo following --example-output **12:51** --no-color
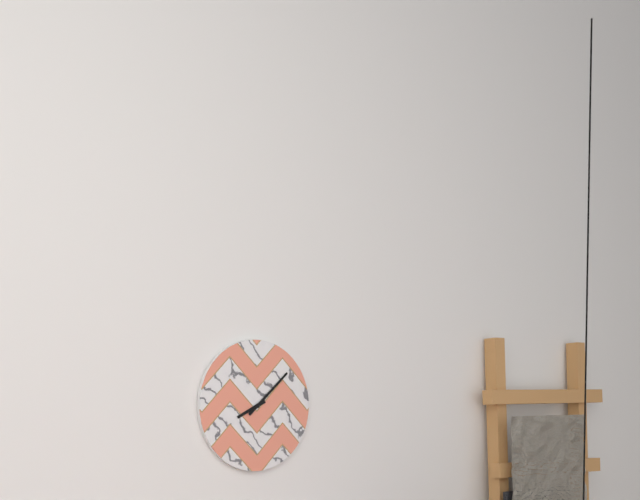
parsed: **8:08**
